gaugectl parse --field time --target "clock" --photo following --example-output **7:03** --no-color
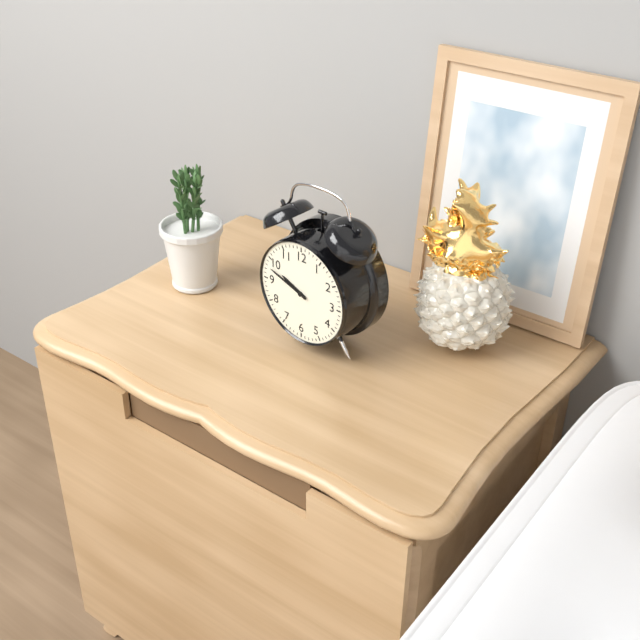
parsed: **9:48**
